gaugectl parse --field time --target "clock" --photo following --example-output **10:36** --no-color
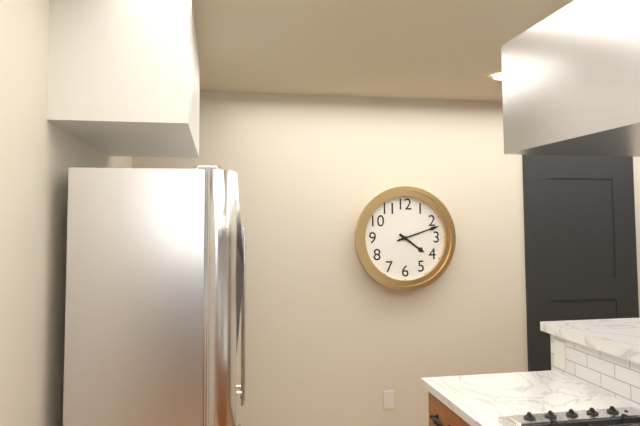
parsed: **4:12**
